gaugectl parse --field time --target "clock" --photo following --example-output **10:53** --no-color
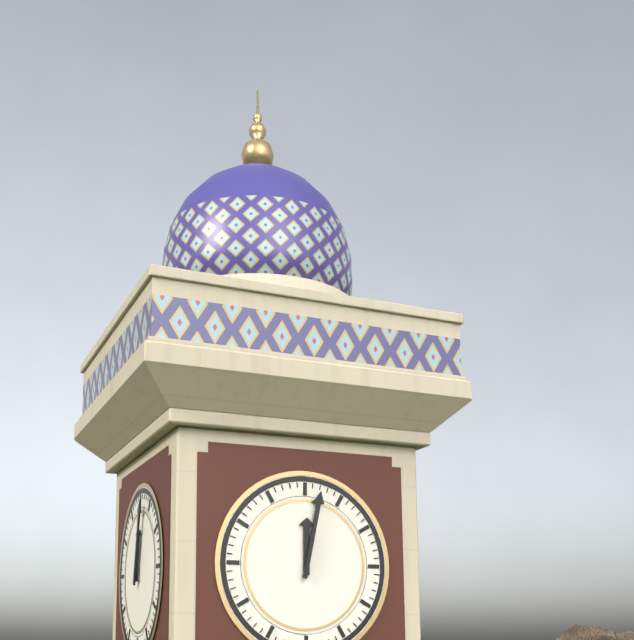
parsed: **12:02**
